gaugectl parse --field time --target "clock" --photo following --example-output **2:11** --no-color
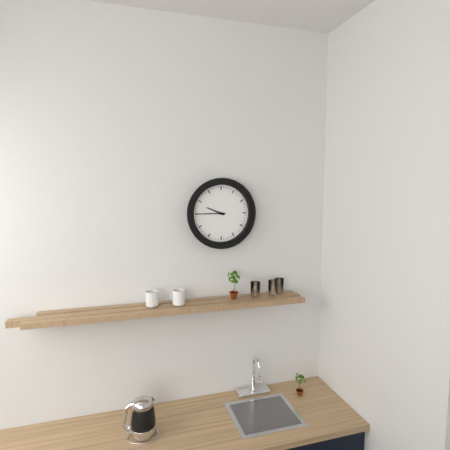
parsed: **9:45**
